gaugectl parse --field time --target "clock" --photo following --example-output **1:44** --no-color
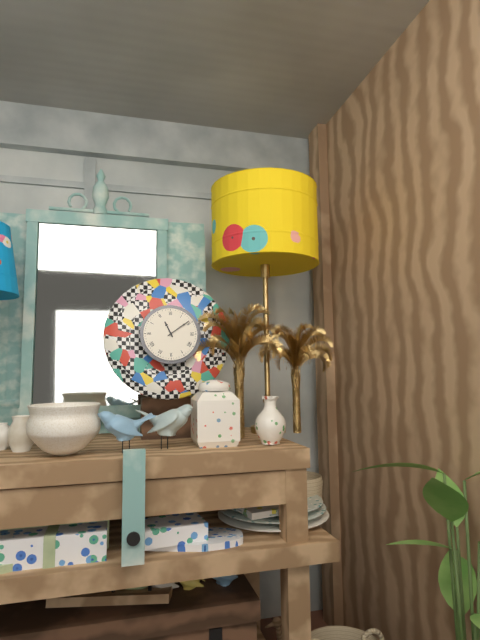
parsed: **11:09**
